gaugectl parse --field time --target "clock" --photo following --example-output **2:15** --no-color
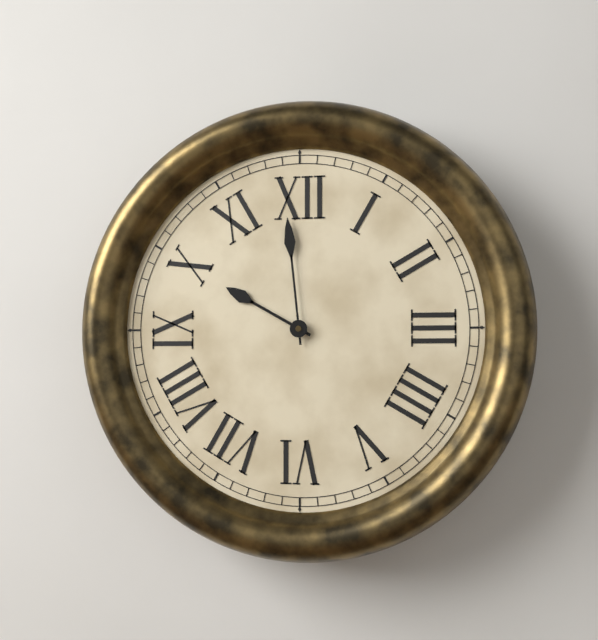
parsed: **9:59**
